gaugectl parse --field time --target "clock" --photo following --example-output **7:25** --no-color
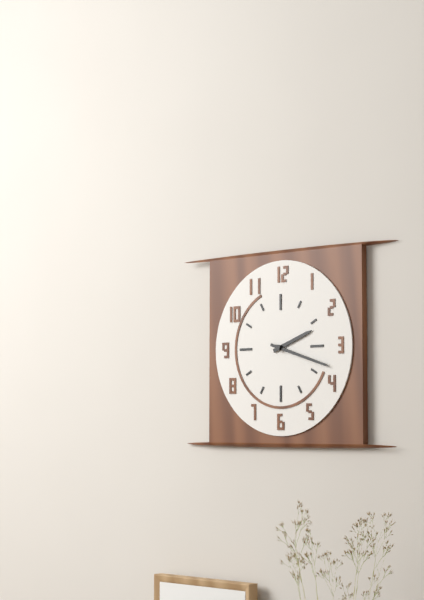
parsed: **2:18**
